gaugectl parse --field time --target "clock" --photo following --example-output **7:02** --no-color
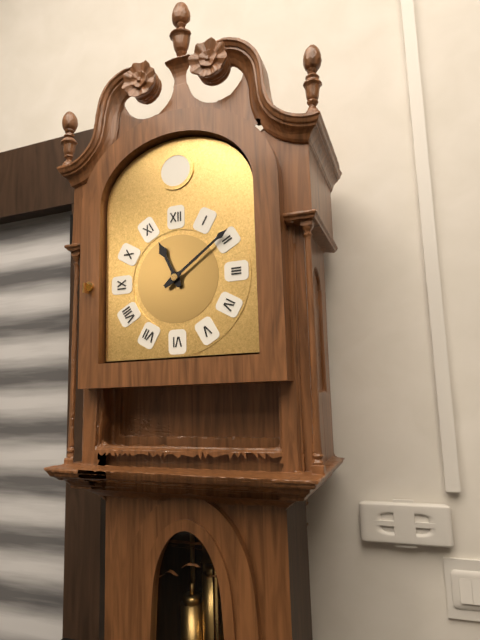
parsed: **11:09**
